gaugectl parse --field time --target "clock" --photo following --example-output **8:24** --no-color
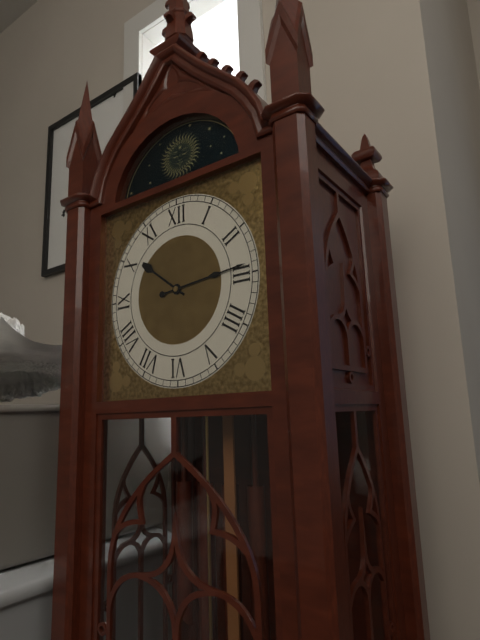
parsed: **10:14**
